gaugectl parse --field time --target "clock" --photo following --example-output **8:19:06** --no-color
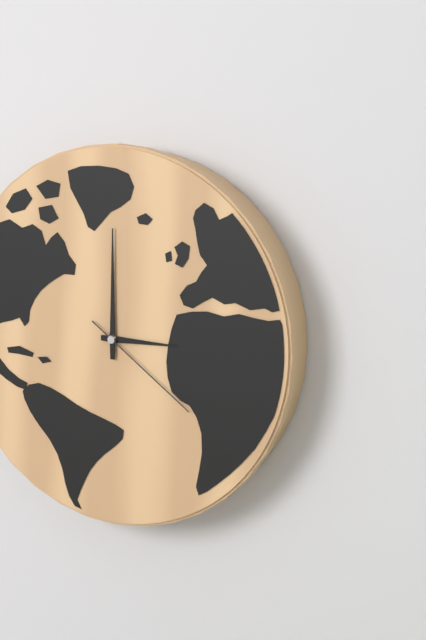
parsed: **3:00:21**
